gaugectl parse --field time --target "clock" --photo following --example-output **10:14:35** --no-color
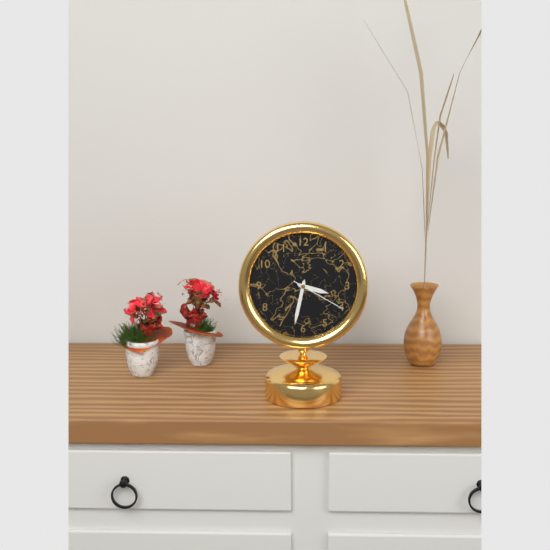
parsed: **3:32:20**
